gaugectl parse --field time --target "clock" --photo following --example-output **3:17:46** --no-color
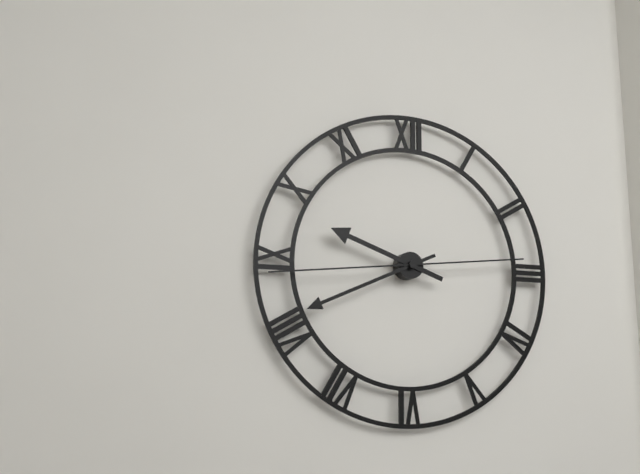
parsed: **9:41:44**
